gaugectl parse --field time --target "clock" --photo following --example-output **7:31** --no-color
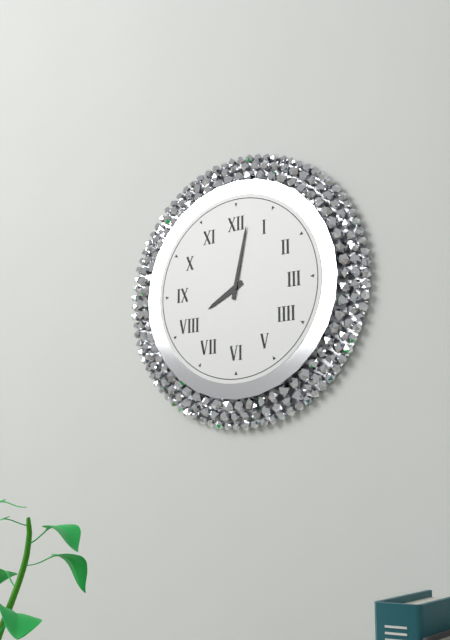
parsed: **8:02**
